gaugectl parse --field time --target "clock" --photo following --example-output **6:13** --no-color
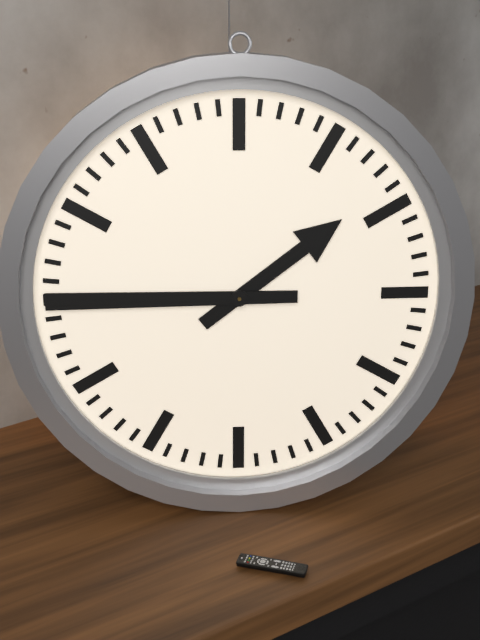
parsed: **1:45**
